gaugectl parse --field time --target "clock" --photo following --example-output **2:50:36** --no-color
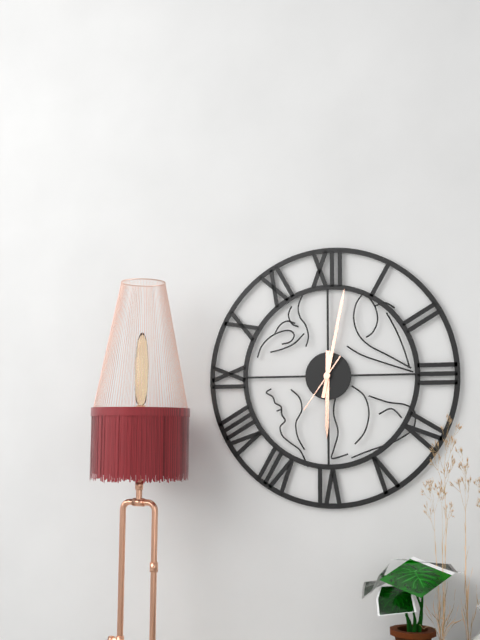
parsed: **6:02:36**
